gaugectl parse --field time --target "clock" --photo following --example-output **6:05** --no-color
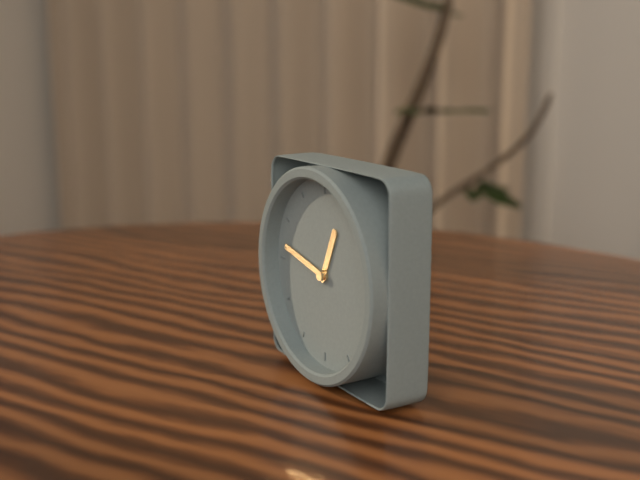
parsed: **12:47**
